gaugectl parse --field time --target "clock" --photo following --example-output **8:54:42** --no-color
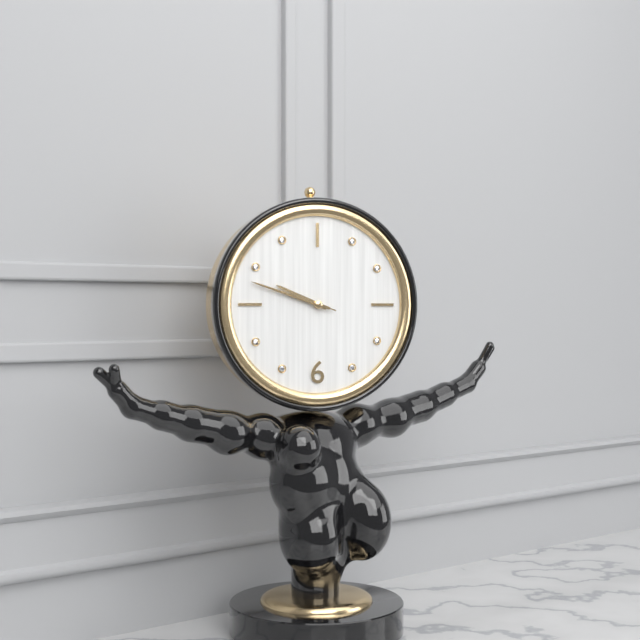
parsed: **9:48:48**
